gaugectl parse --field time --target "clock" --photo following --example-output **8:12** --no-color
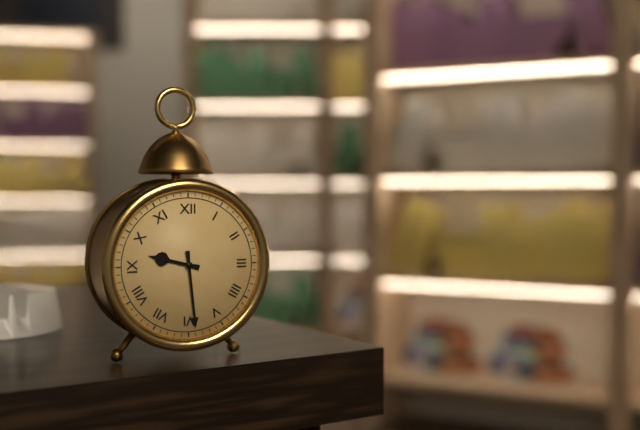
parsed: **9:29**
